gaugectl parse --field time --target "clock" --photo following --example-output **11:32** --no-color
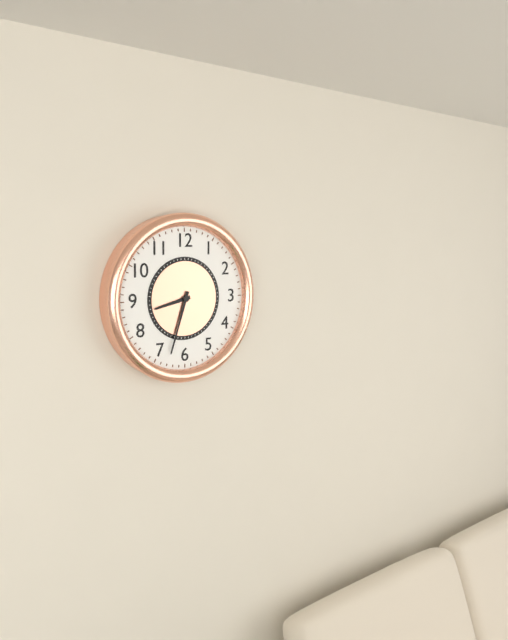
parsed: **8:33**
